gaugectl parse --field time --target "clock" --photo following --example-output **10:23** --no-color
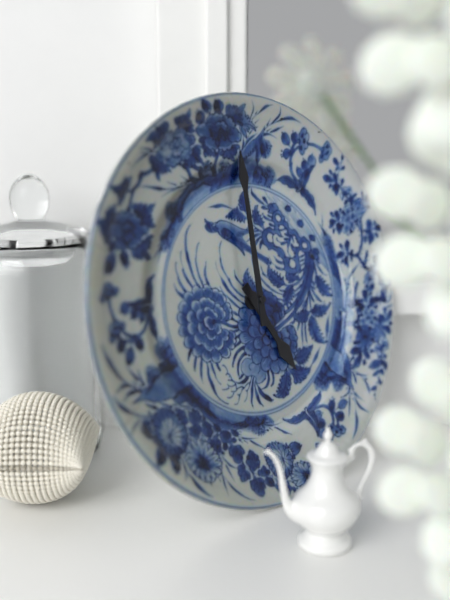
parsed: **5:00**
